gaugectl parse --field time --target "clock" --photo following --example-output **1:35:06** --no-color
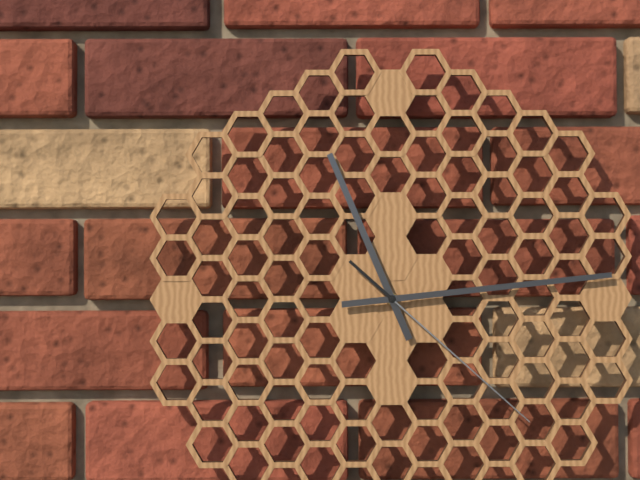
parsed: **11:14:22**
